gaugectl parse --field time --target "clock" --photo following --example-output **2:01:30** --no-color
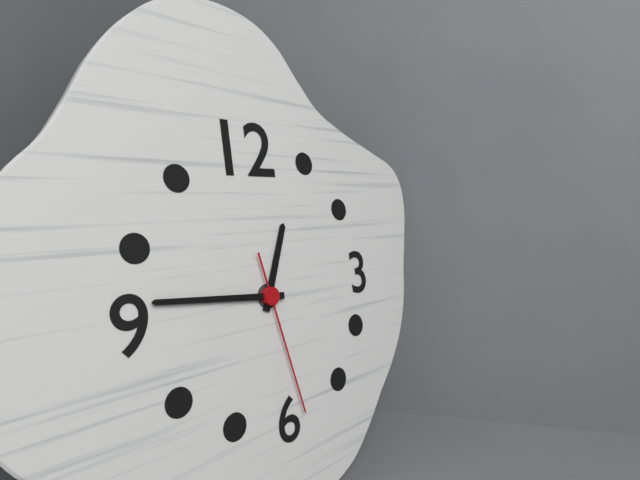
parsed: **12:46:28**
